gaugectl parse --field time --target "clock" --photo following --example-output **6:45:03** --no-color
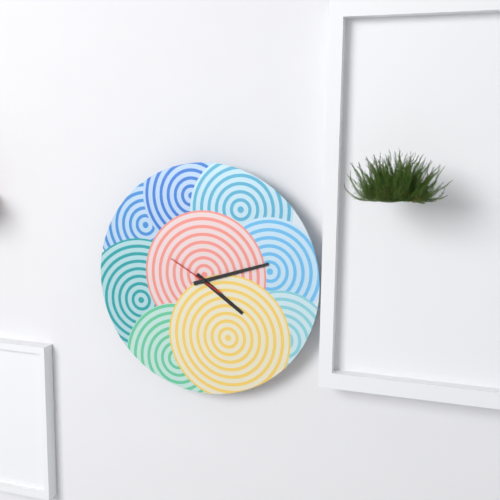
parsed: **4:12:50**
